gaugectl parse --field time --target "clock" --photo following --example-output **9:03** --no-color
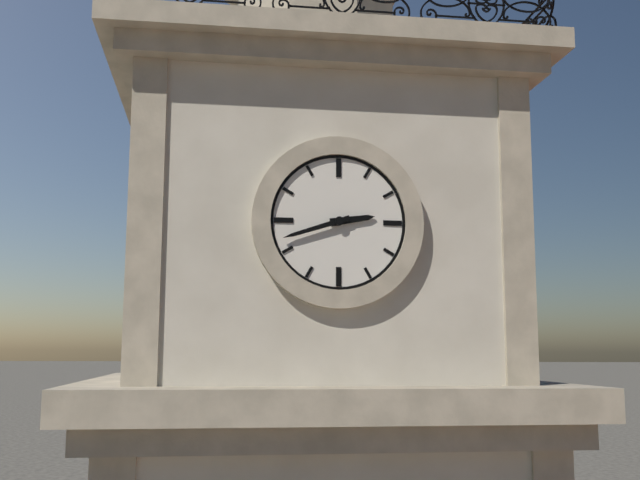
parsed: **2:42**
